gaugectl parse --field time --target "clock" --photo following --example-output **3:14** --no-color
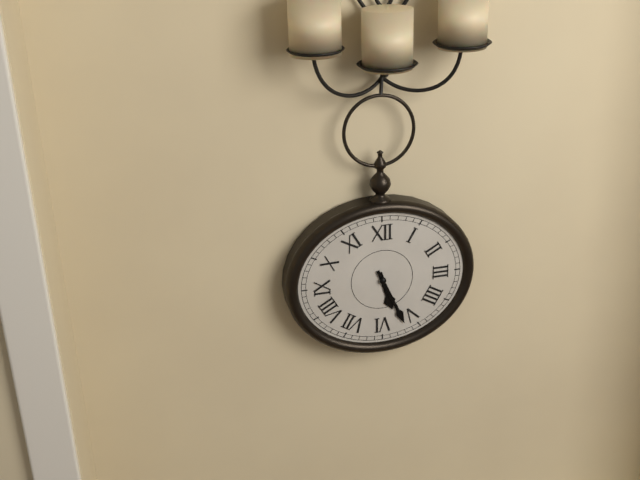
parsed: **5:26**
